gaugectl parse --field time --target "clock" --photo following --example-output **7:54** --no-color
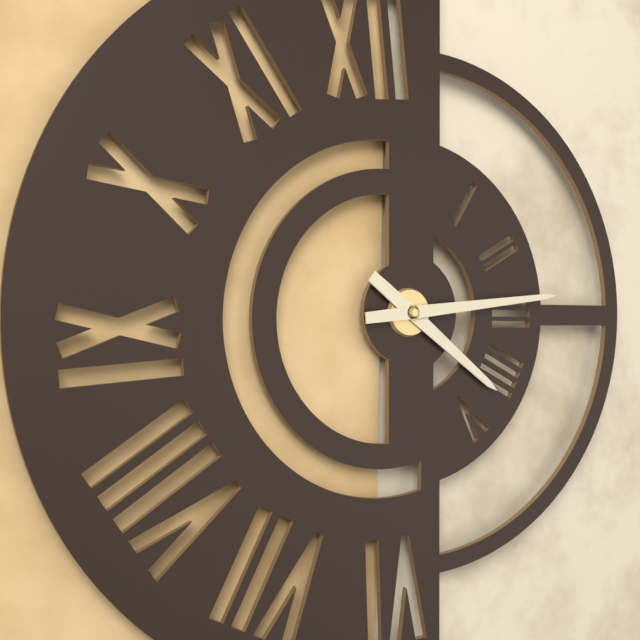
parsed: **4:14**
